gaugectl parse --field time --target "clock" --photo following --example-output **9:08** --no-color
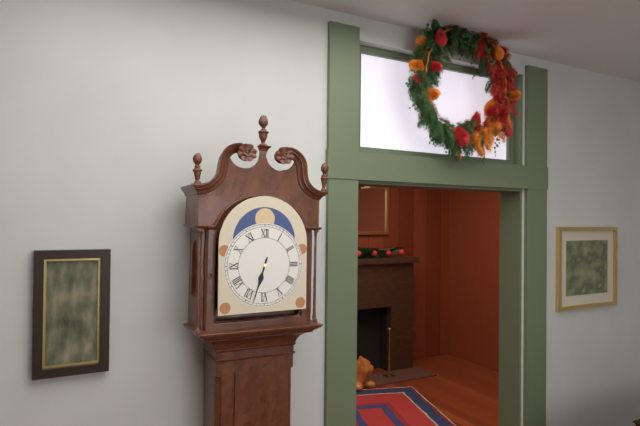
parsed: **6:33**
